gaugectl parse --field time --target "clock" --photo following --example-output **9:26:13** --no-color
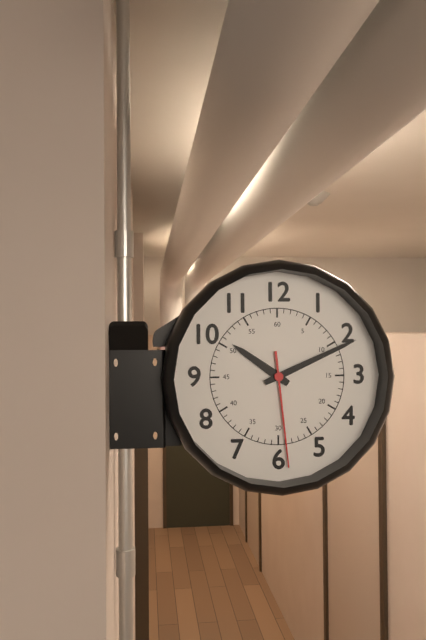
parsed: **10:11:29**
